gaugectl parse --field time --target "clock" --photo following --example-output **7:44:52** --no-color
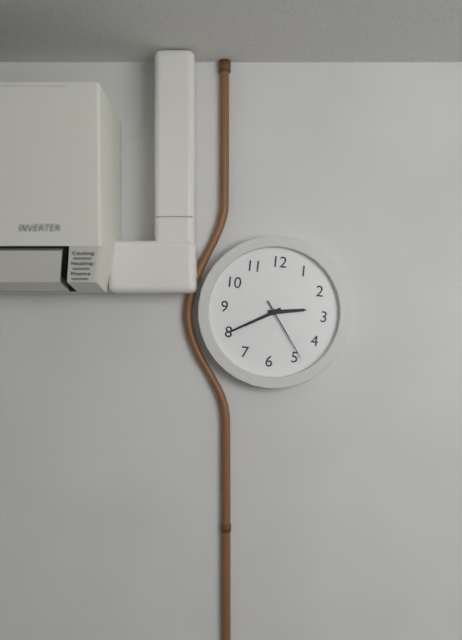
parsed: **2:40:24**
